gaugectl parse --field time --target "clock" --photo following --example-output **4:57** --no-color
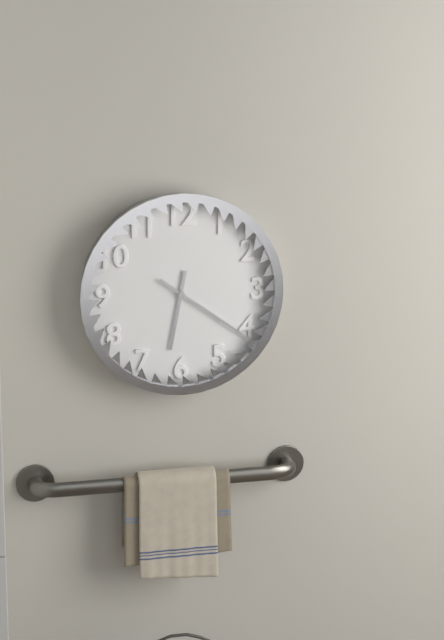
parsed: **6:21**
